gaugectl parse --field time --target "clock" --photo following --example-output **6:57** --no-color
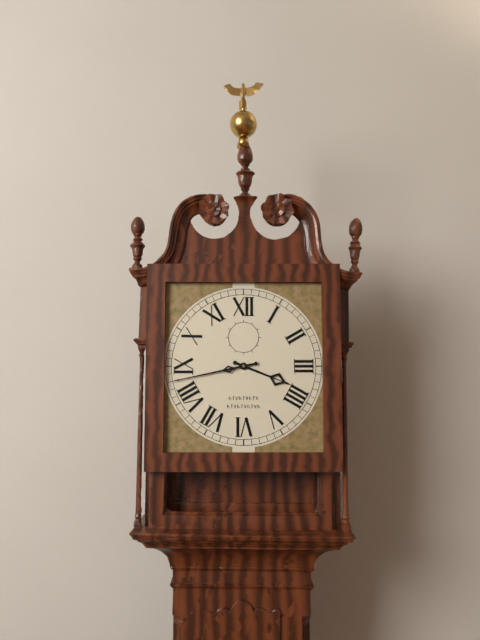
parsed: **3:43**
